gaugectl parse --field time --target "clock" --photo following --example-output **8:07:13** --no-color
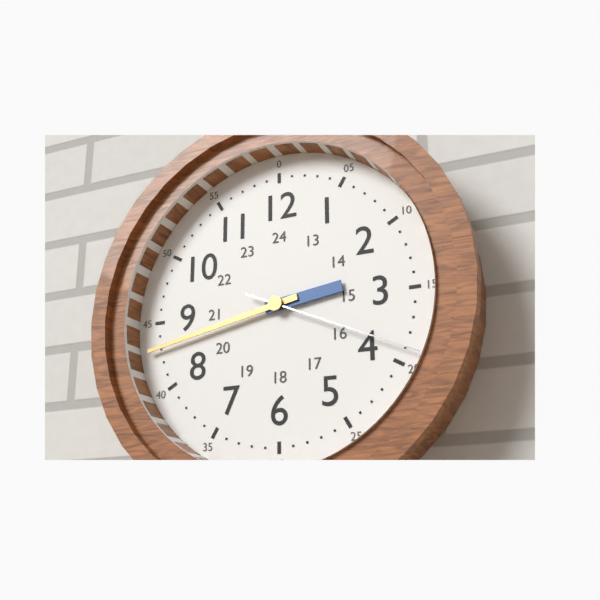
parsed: **2:43:19**
